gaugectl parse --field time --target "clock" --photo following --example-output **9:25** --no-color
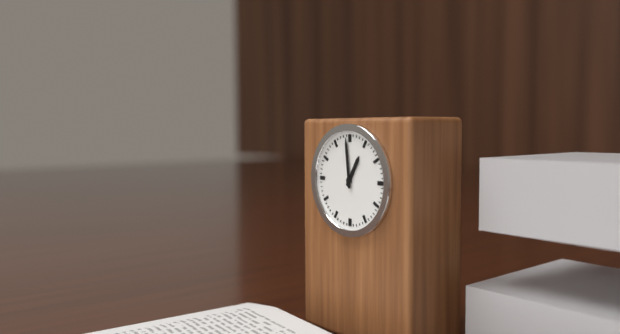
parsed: **12:59**
